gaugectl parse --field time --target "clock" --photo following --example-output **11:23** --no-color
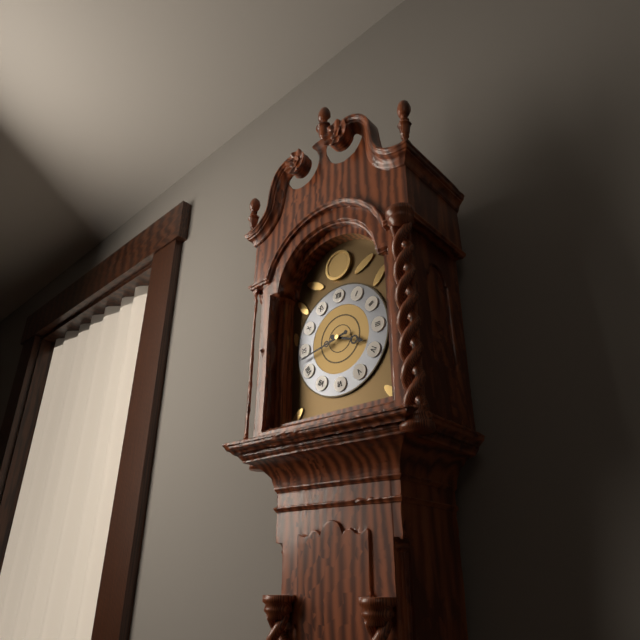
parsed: **3:43**
